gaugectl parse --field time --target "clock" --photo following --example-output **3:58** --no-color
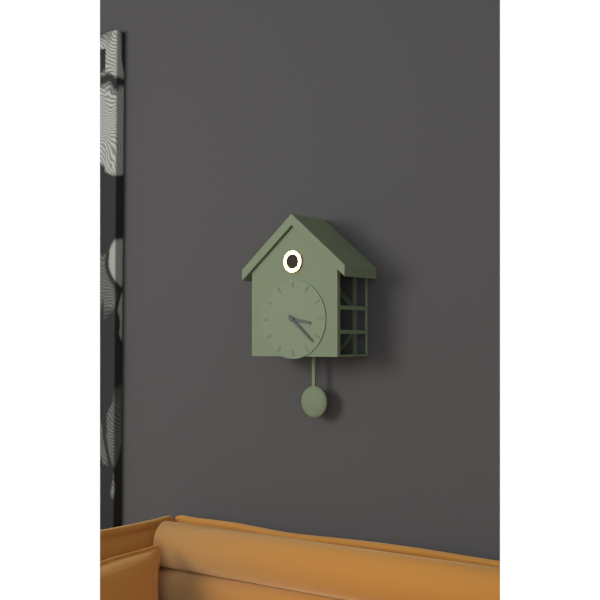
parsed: **3:22**
